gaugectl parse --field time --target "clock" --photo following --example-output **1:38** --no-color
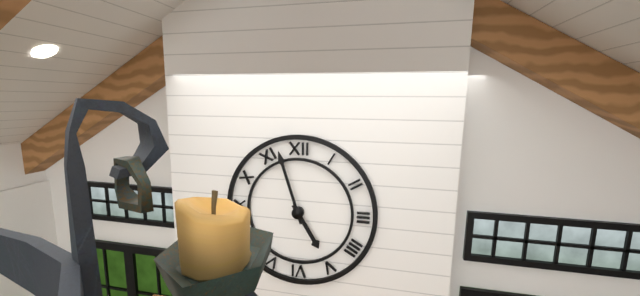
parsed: **4:57**
